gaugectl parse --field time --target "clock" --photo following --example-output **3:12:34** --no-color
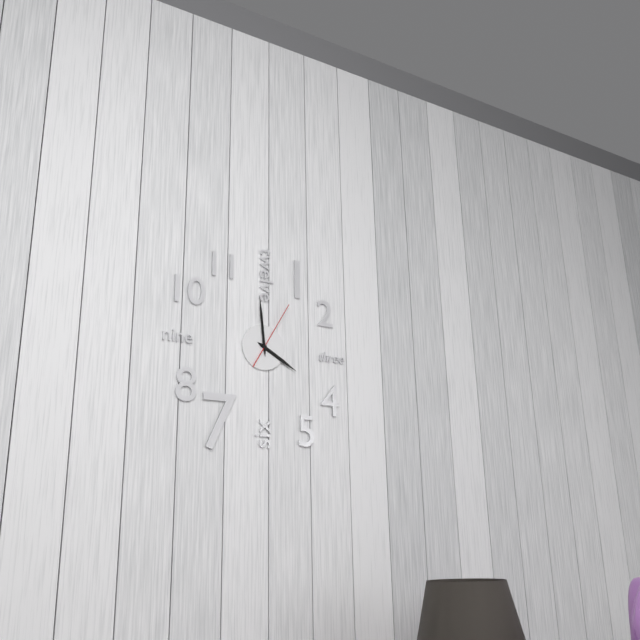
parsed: **3:59:05**
